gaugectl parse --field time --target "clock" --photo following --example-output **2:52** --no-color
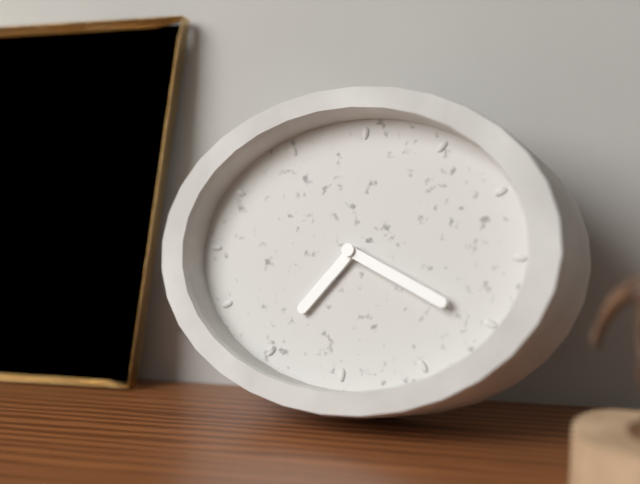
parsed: **7:19**
